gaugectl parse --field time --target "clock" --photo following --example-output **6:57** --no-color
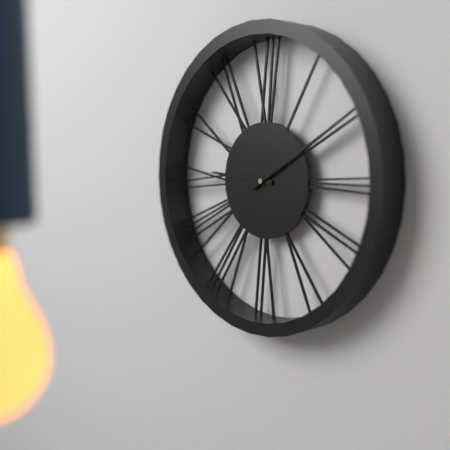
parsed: **9:10**
